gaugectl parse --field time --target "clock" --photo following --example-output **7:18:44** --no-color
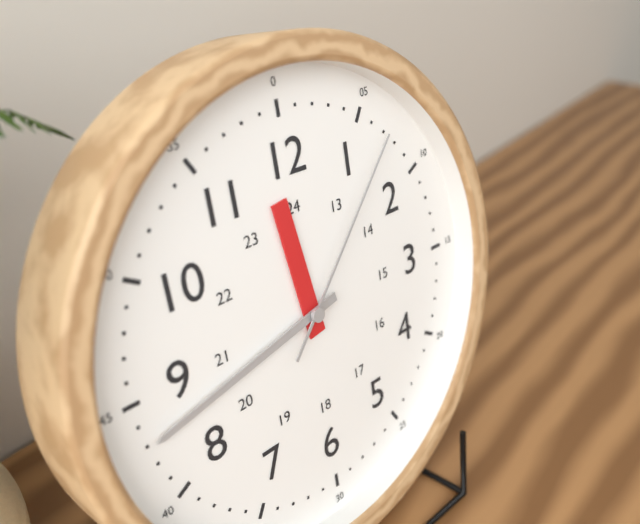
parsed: **11:43:07**
